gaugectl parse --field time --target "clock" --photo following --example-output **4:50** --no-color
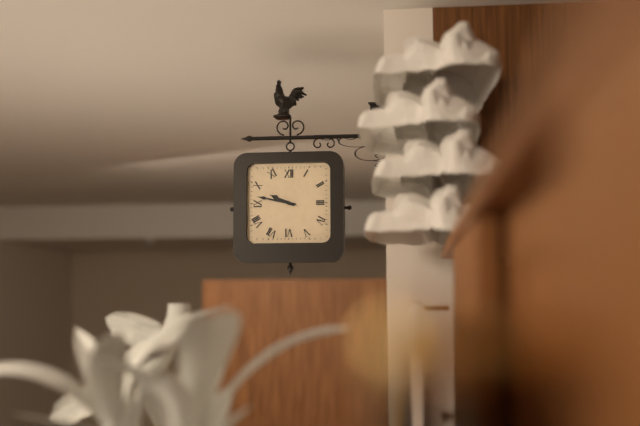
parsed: **9:47**
